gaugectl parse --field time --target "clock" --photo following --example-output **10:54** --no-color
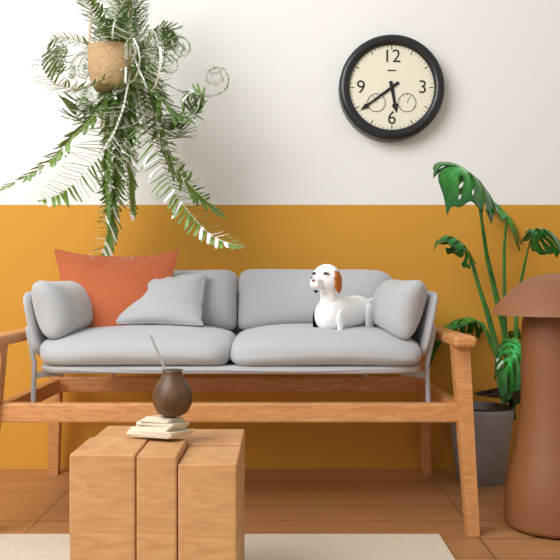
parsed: **5:39**
